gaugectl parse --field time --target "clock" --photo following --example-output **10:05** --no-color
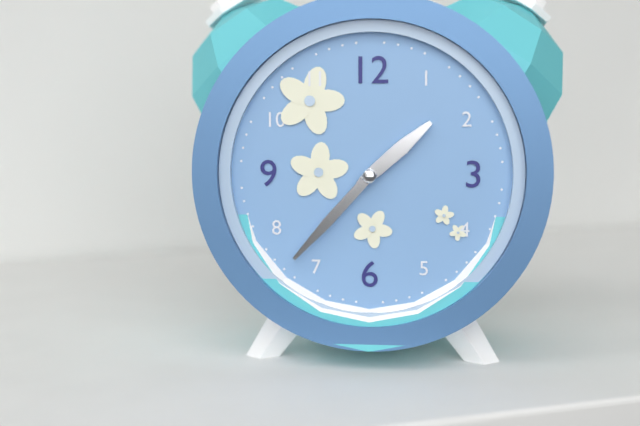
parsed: **1:37**
